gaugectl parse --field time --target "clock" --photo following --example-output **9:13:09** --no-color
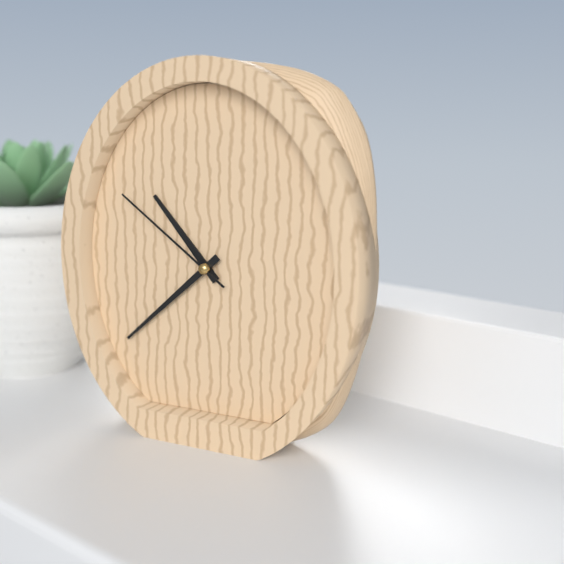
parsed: **10:38:51**
